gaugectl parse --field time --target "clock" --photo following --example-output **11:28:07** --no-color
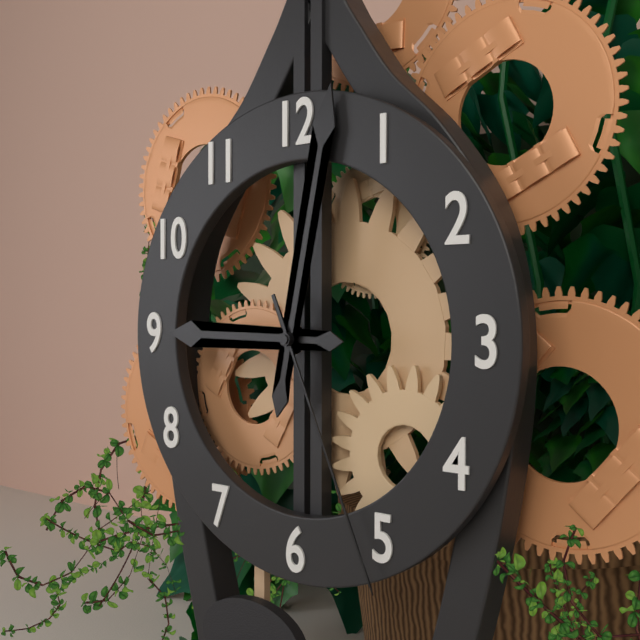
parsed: **9:02:26**
